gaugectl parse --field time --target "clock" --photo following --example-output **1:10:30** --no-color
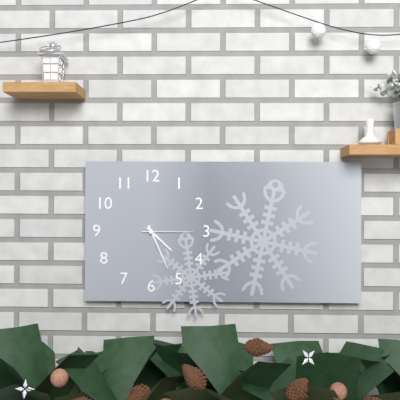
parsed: **4:26:15**
